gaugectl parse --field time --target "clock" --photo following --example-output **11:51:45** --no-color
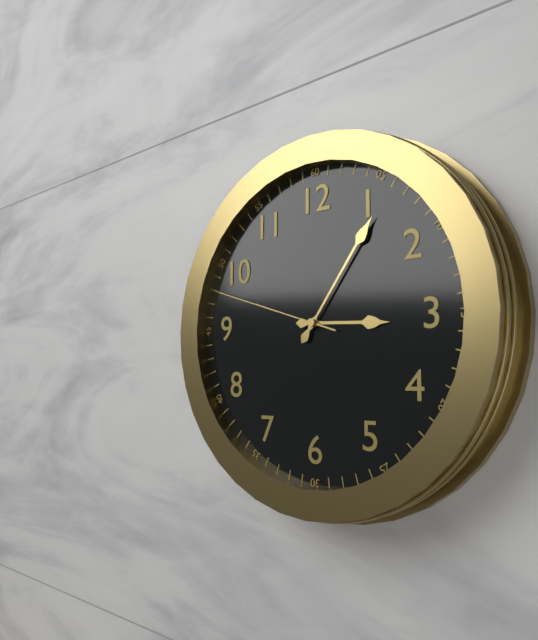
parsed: **3:06:48**
